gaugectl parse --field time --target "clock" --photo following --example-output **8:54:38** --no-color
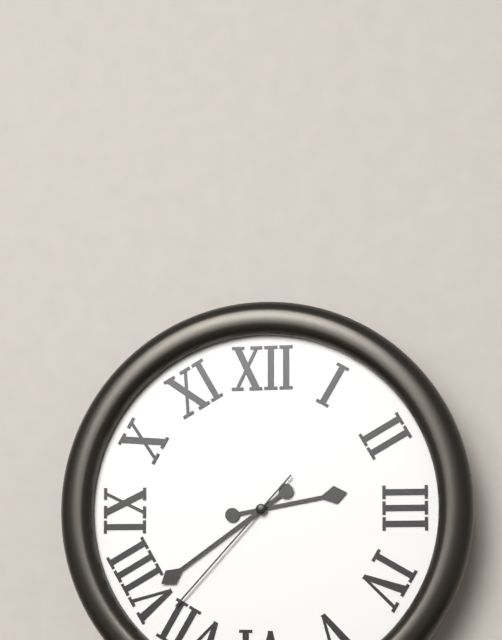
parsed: **2:39:37**
